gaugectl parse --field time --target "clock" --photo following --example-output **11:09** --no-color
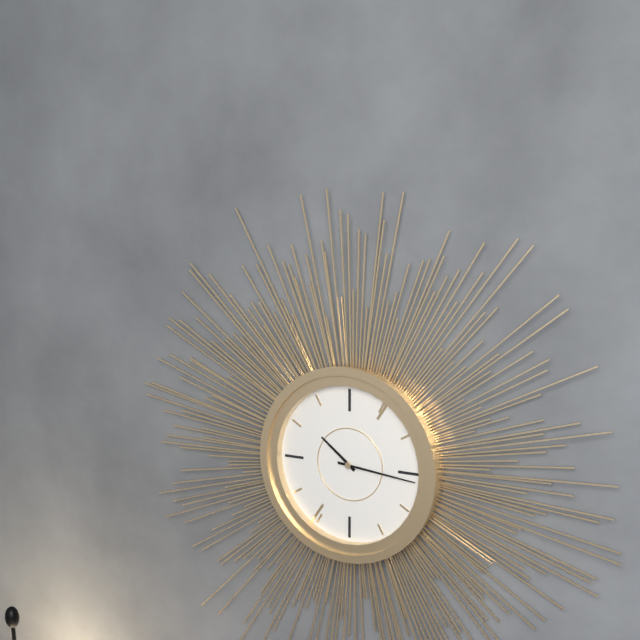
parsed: **10:16**
